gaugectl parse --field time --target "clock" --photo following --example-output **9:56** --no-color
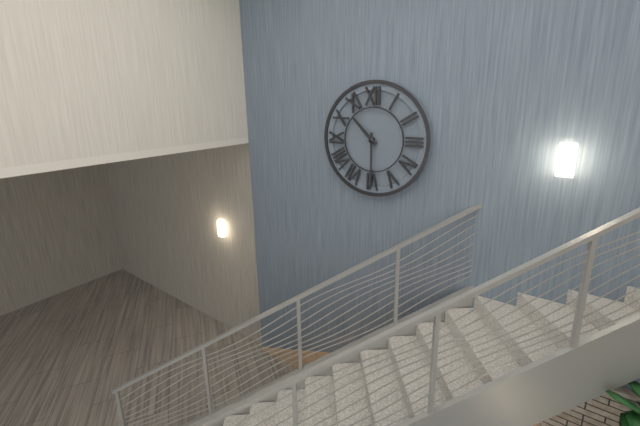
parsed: **10:30**
